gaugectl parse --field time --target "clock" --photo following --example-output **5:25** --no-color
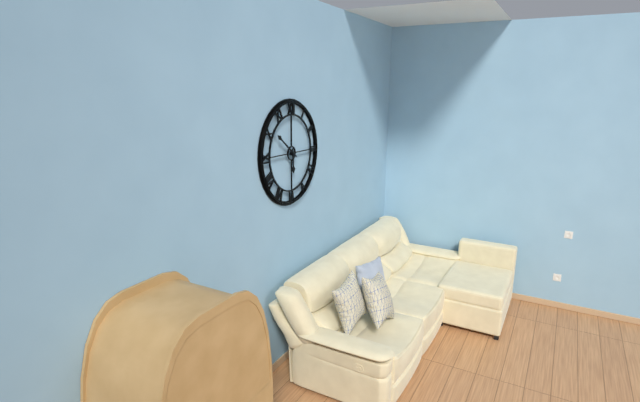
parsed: **5:51**
